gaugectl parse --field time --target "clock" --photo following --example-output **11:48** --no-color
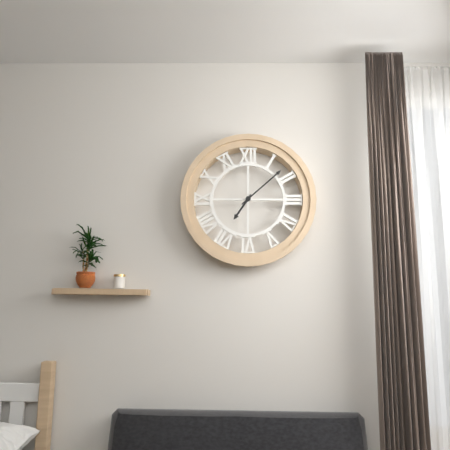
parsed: **7:08**
